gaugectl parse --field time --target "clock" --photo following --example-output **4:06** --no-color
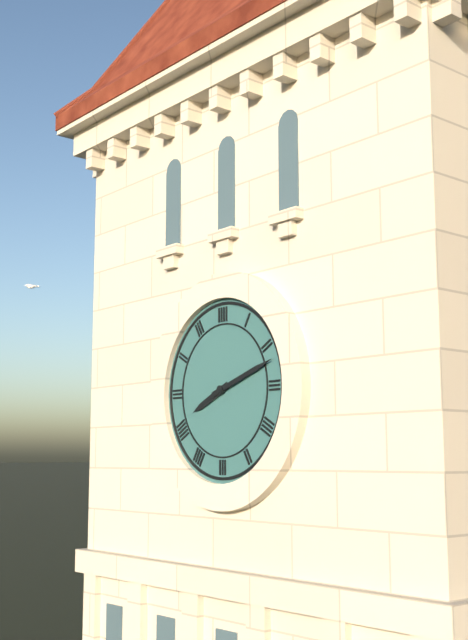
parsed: **8:12**
